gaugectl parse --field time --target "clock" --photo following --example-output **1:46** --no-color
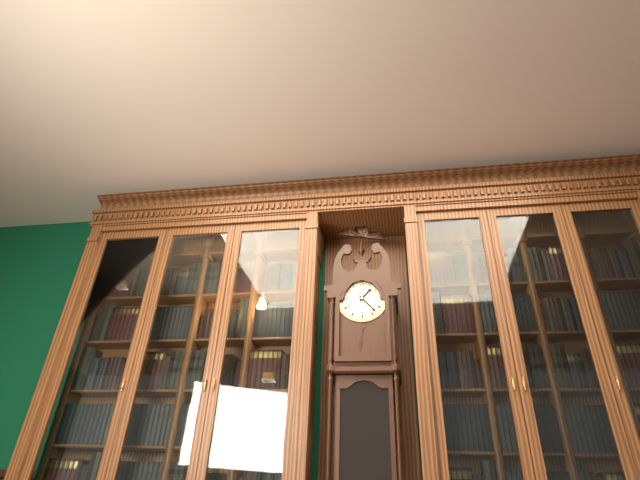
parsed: **1:23**
